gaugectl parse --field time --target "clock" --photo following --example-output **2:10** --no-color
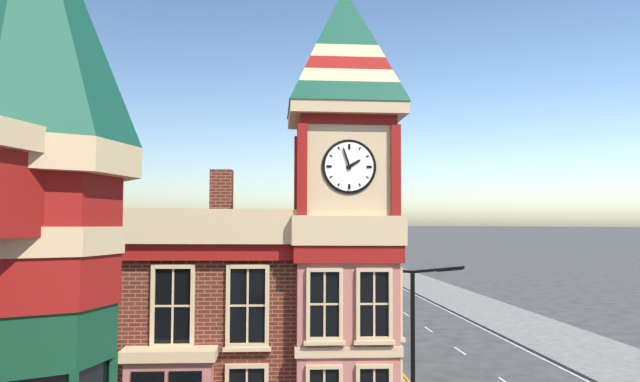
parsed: **1:57**
